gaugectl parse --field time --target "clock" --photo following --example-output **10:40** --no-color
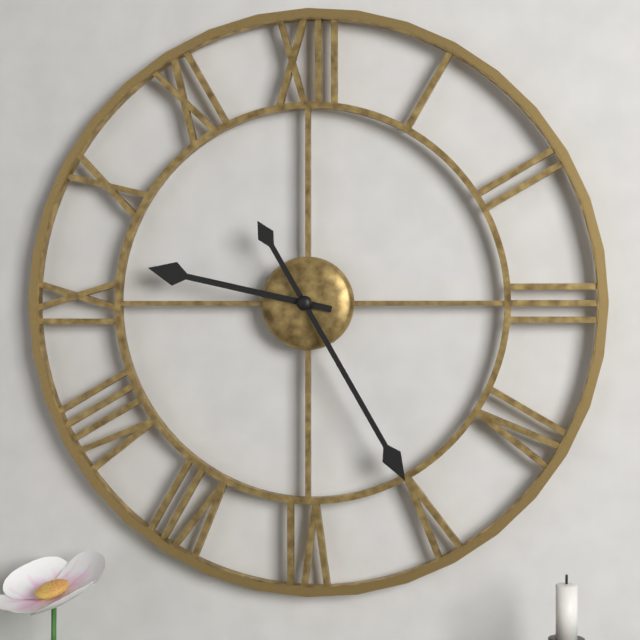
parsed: **9:25**
